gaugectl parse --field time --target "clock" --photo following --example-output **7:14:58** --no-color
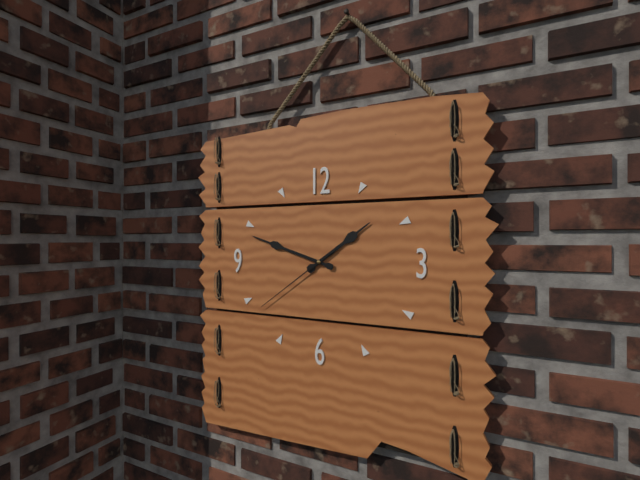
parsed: **1:48:39**
